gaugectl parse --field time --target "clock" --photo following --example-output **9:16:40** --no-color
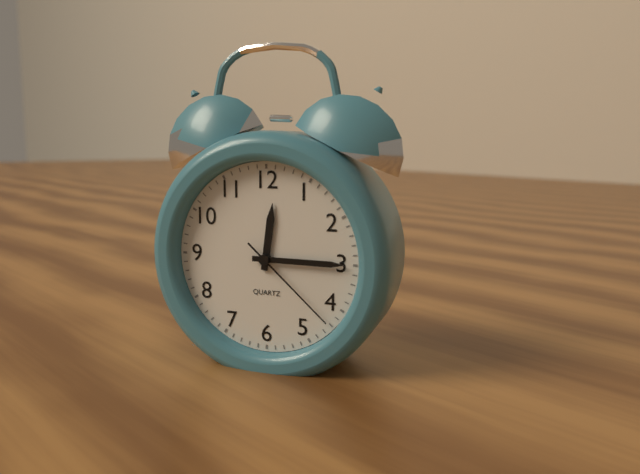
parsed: **12:15:22**
